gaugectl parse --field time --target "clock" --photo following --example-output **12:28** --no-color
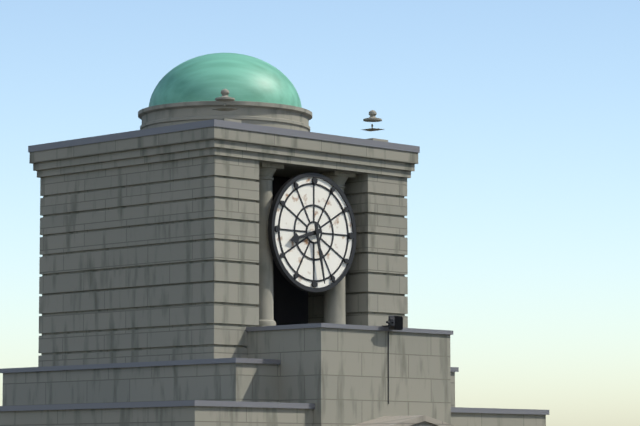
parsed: **8:28**
